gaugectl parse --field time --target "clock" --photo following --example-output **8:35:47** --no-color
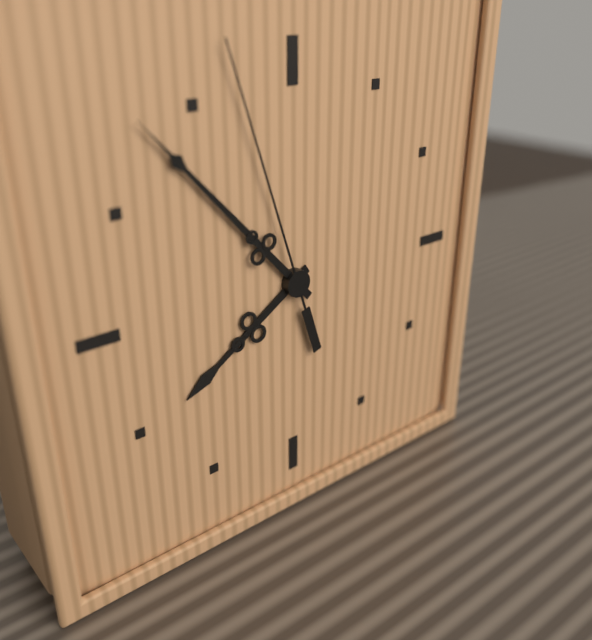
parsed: **7:53:57**
